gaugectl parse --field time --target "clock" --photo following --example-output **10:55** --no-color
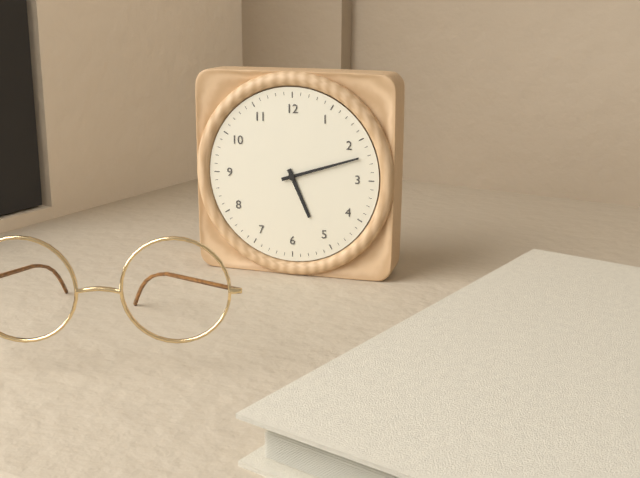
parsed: **5:12**
